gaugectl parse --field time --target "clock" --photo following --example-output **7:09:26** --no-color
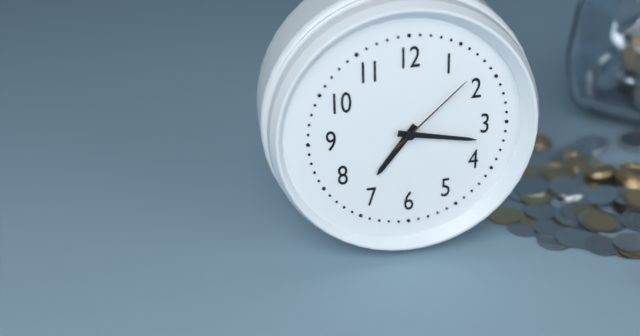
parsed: **7:17:08**
